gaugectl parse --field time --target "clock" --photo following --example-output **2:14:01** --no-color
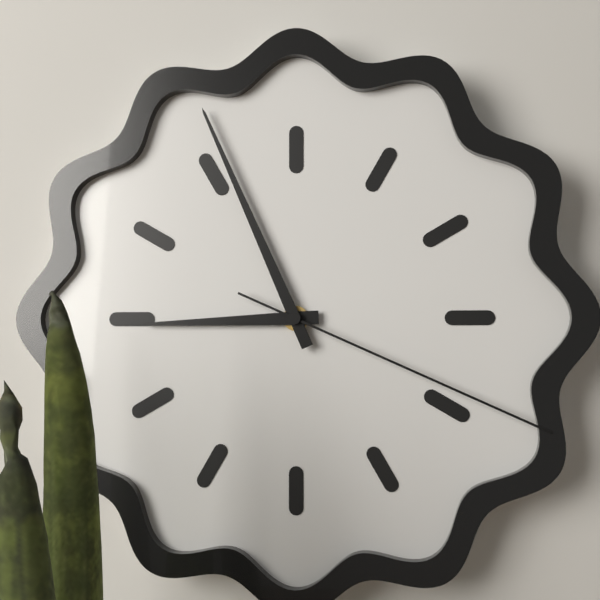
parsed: **8:56:19**
